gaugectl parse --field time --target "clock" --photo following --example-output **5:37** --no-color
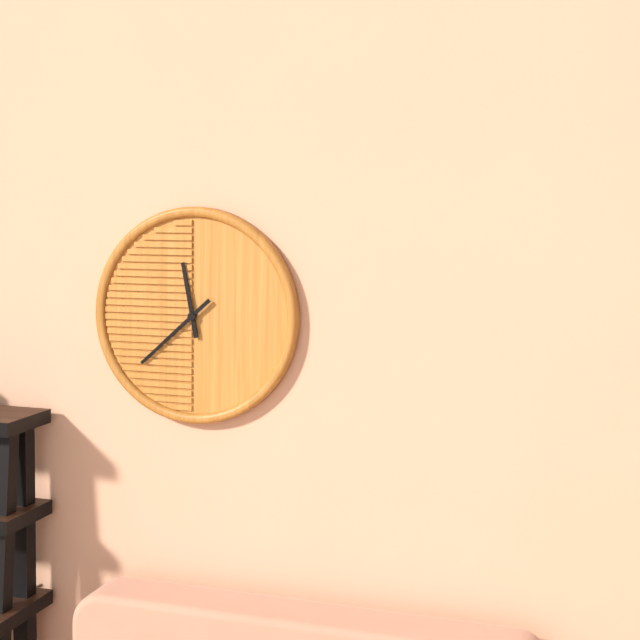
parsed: **11:38**
